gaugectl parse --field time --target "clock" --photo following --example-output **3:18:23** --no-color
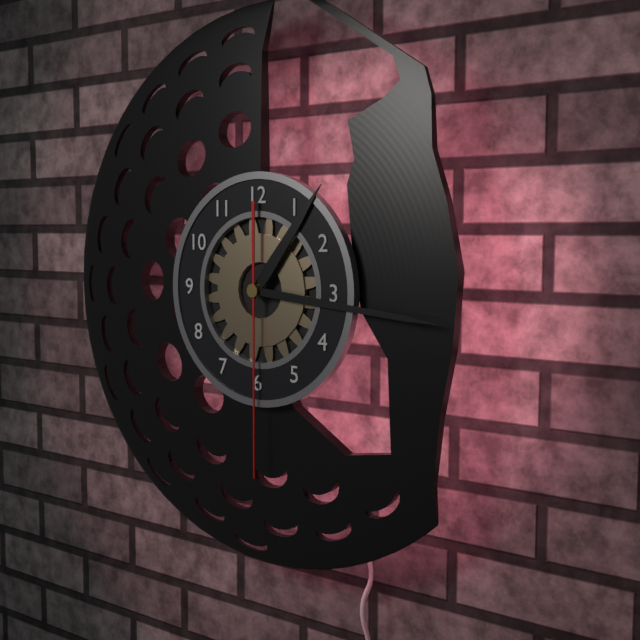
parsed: **1:16:30**
